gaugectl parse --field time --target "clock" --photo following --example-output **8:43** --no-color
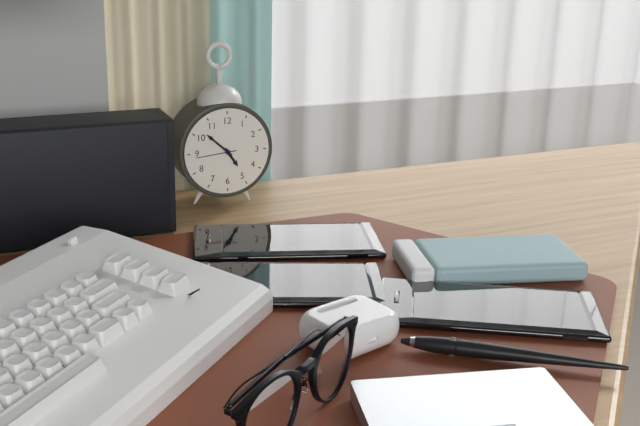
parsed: **4:52**
